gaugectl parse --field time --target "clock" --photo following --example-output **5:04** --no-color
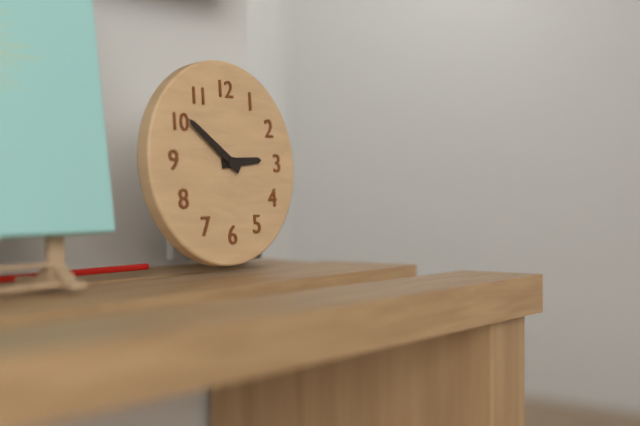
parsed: **2:51**
